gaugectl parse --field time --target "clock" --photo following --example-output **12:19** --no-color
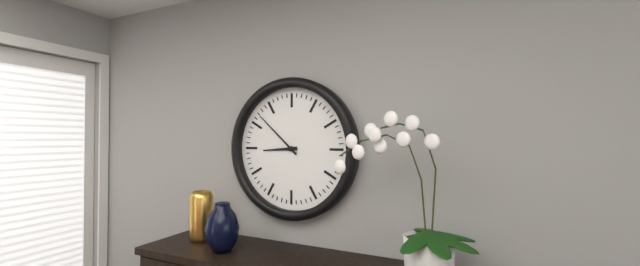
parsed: **8:52**
